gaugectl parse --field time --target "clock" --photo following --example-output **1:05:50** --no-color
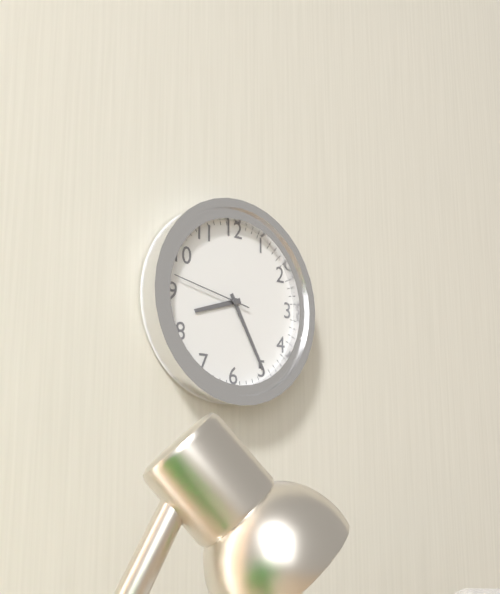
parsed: **8:25:47**
